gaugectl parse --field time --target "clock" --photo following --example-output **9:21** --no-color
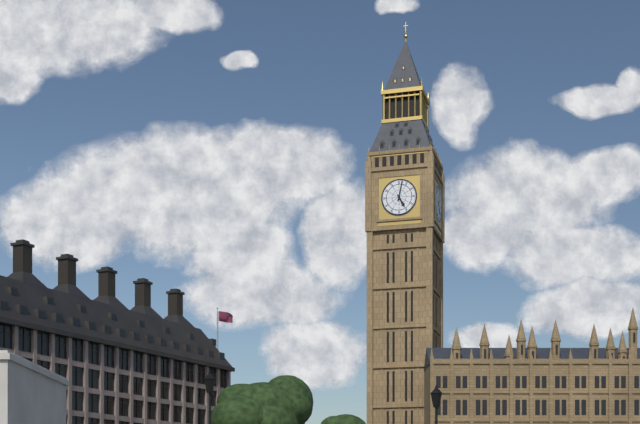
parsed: **5:02**
